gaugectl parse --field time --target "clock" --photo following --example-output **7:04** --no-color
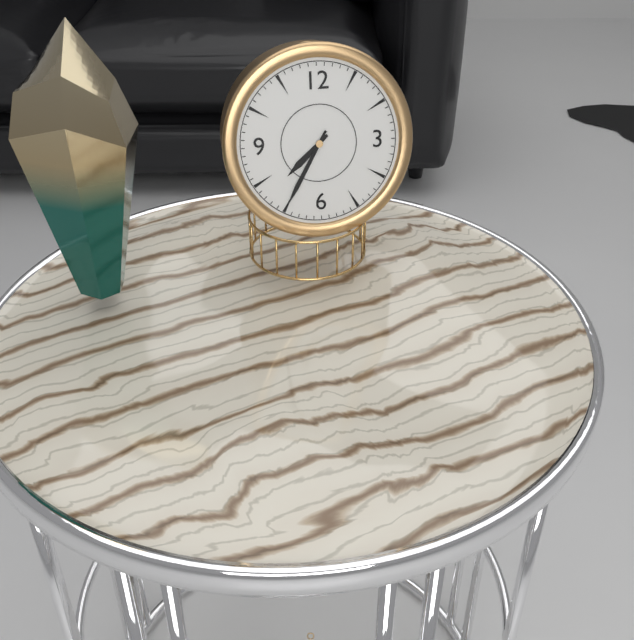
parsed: **7:35**
